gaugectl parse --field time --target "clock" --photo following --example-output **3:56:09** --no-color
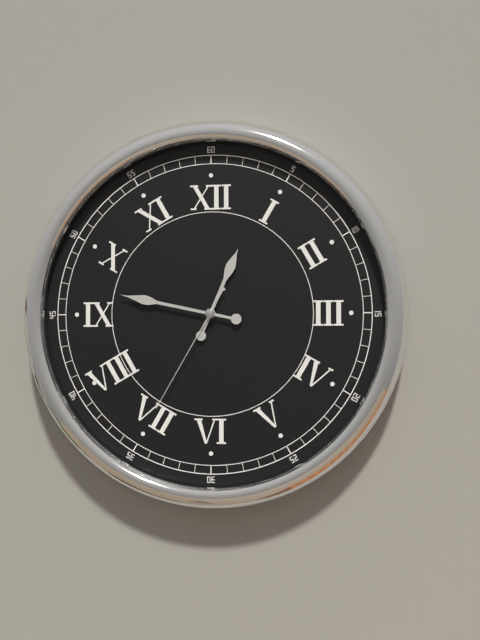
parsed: **12:47:35**
